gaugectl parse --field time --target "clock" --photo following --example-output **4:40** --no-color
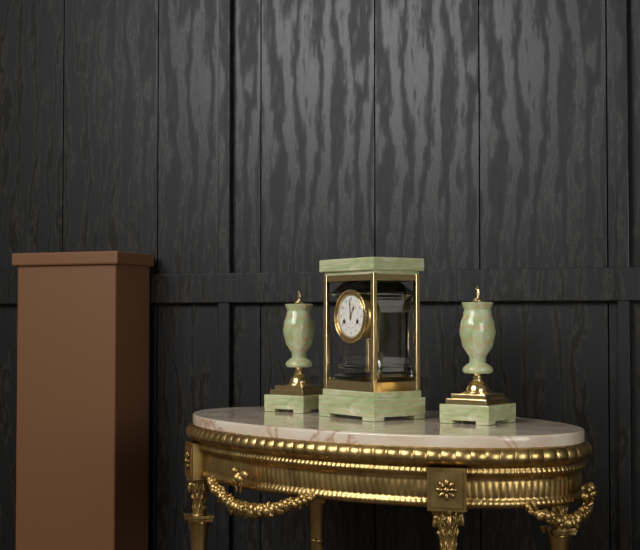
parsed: **12:59**
